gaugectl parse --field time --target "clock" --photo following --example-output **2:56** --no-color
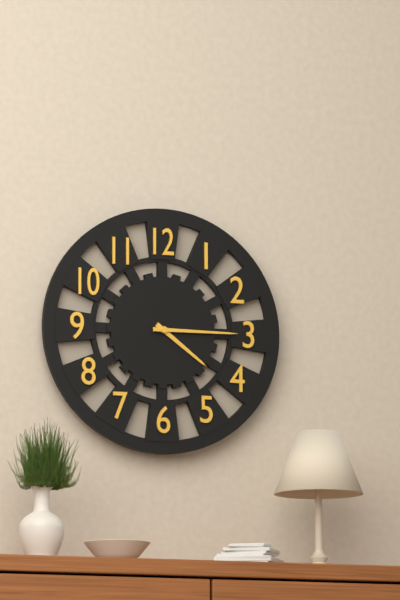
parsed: **4:15**
